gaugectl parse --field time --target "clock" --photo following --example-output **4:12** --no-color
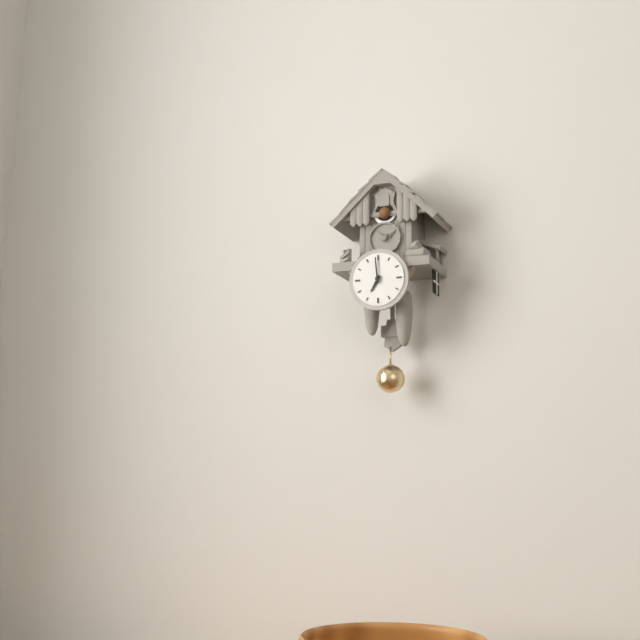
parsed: **6:59**
